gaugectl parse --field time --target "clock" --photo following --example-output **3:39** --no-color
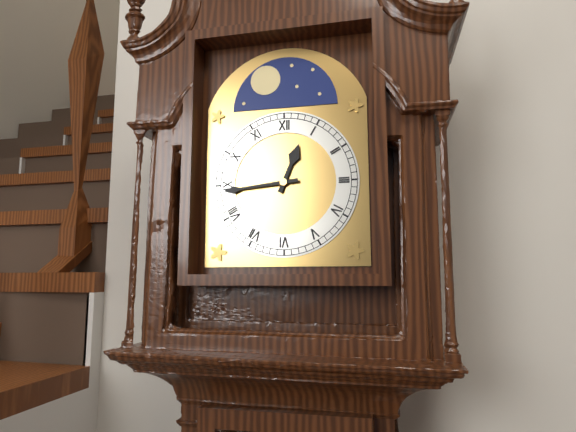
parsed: **12:44**
